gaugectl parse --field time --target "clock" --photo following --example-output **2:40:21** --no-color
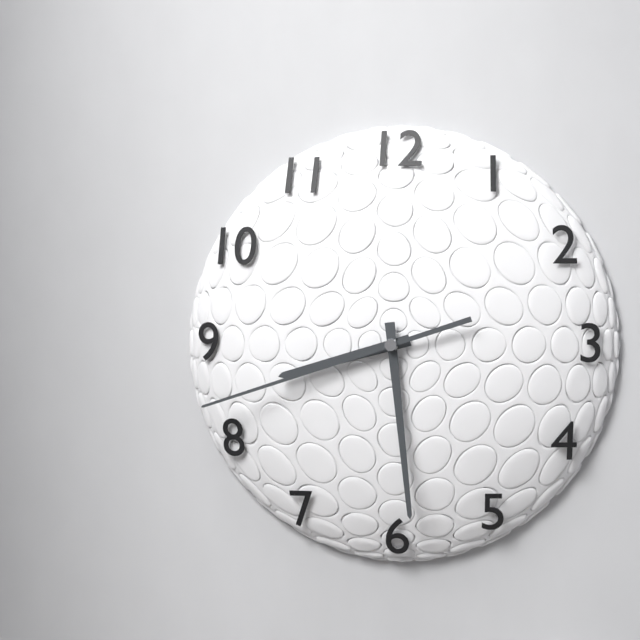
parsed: **8:29:42**
